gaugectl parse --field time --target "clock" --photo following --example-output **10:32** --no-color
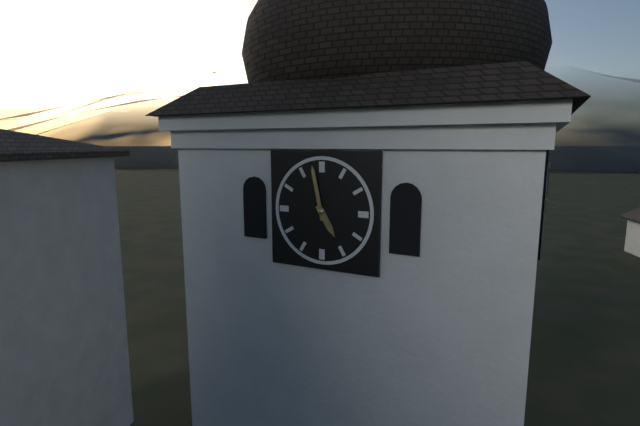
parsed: **4:58**
